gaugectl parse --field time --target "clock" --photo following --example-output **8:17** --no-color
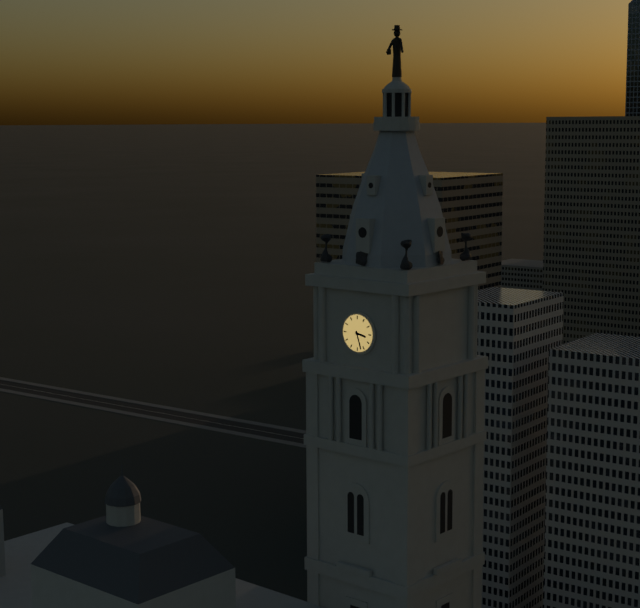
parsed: **3:27**
